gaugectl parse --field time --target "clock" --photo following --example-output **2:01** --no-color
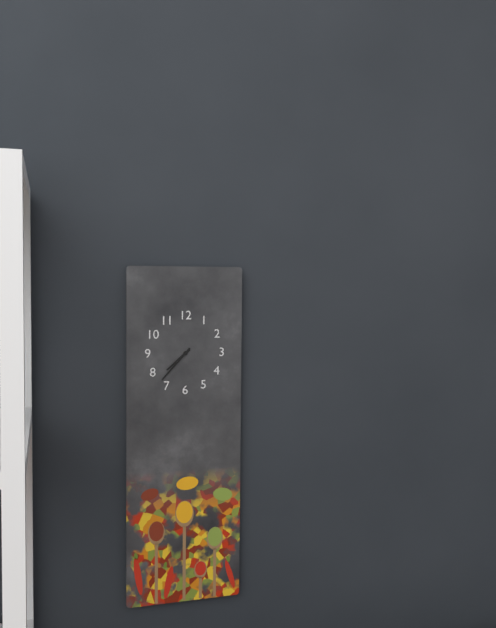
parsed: **7:37**
